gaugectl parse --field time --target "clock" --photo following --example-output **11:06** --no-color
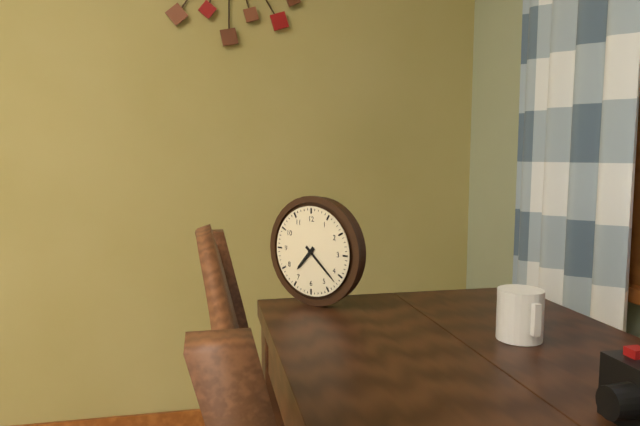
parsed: **7:22**
